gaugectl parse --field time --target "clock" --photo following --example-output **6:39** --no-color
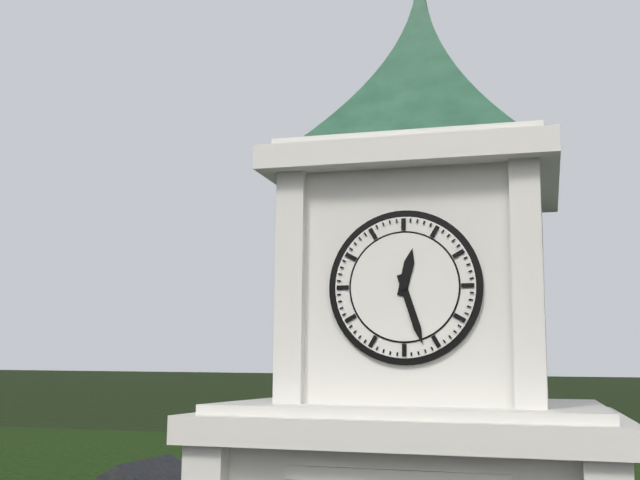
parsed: **12:27**
